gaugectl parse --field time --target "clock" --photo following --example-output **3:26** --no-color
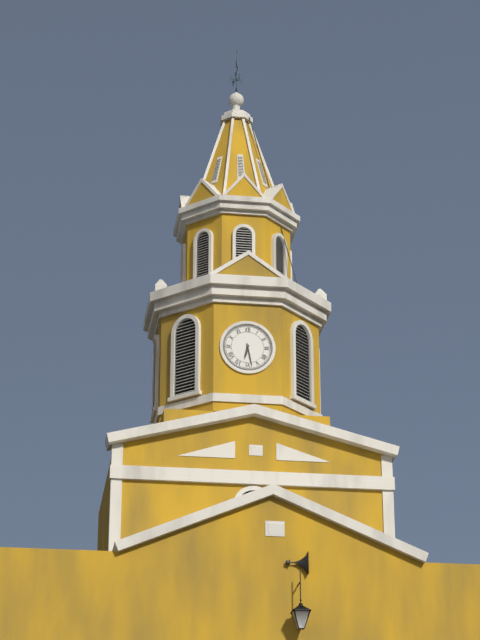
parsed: **6:28**
